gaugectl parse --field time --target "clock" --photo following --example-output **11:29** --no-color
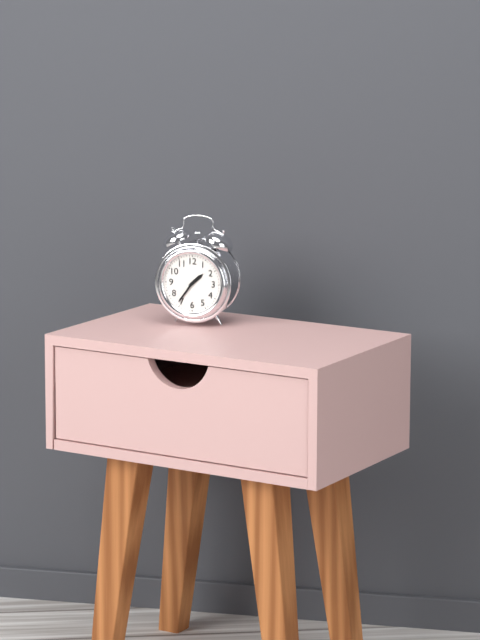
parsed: **1:36**
